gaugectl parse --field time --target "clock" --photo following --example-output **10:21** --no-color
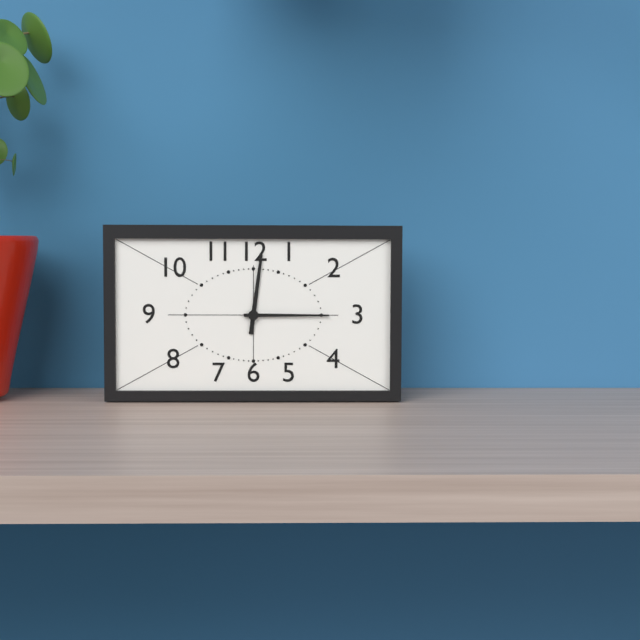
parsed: **12:15**
